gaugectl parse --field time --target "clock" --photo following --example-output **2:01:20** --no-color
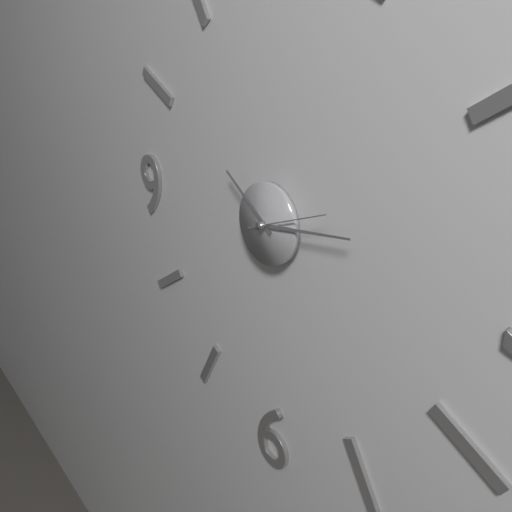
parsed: **10:14:12**
